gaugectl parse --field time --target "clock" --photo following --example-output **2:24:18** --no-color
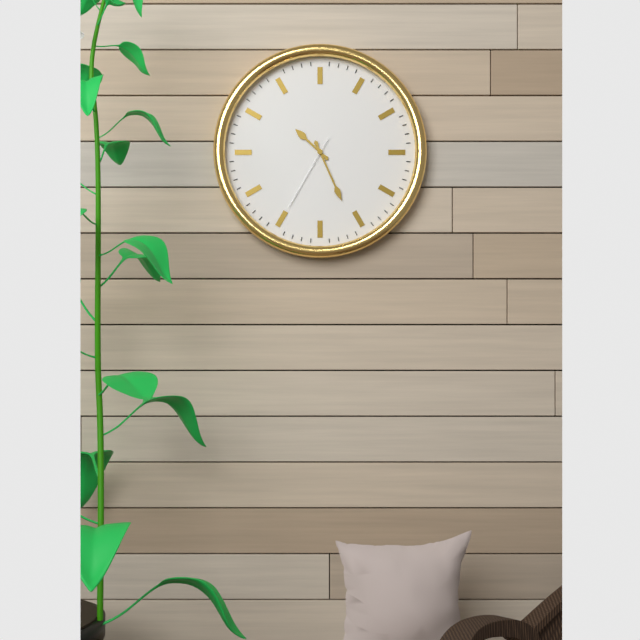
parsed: **10:26:35**
